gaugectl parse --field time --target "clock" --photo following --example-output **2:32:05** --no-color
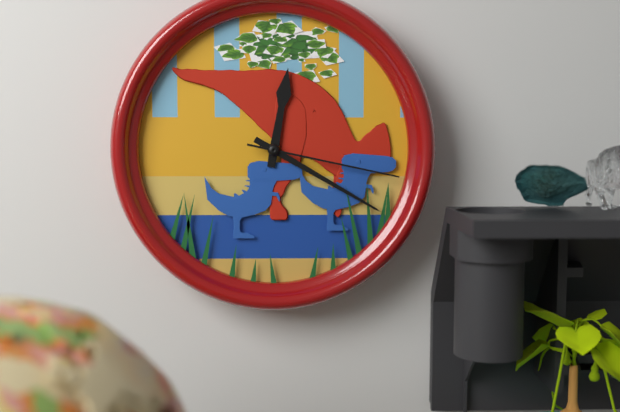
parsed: **12:20:17**
